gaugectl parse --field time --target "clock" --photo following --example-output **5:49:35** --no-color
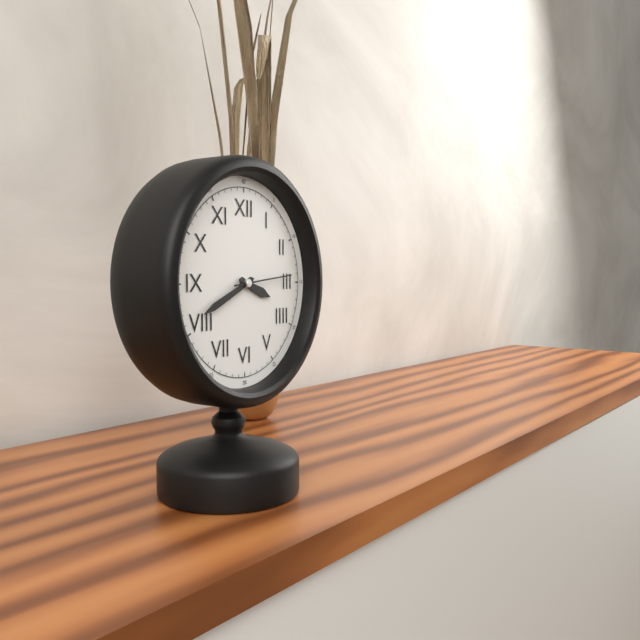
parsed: **3:41:14**
